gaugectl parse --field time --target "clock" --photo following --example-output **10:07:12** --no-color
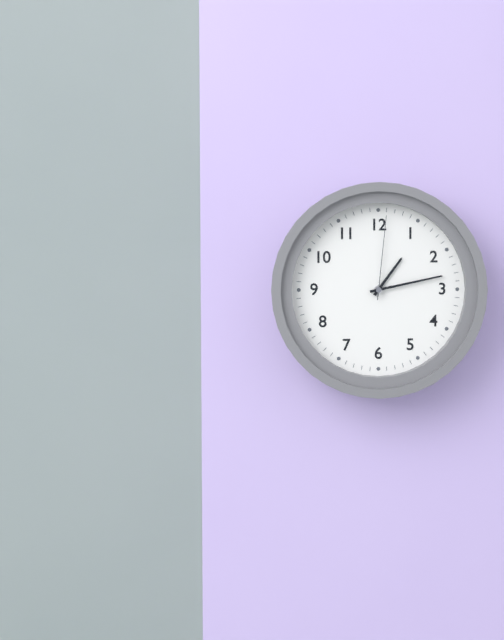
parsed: **1:13:01**
